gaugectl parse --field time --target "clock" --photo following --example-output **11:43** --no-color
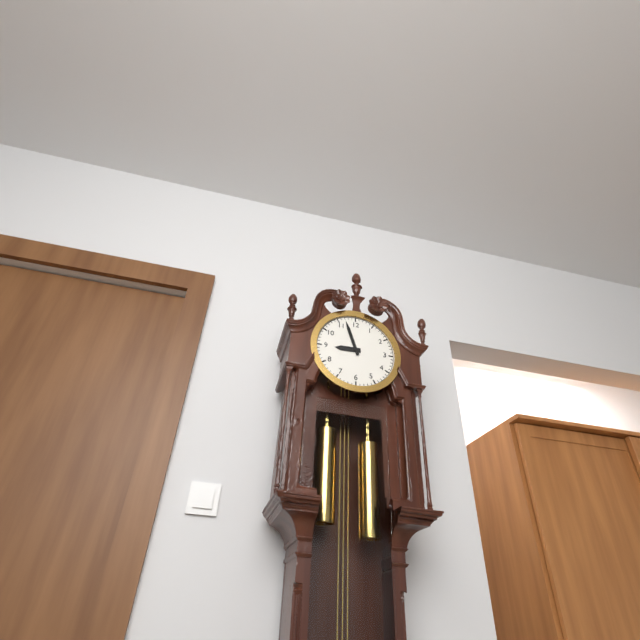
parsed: **8:57**
